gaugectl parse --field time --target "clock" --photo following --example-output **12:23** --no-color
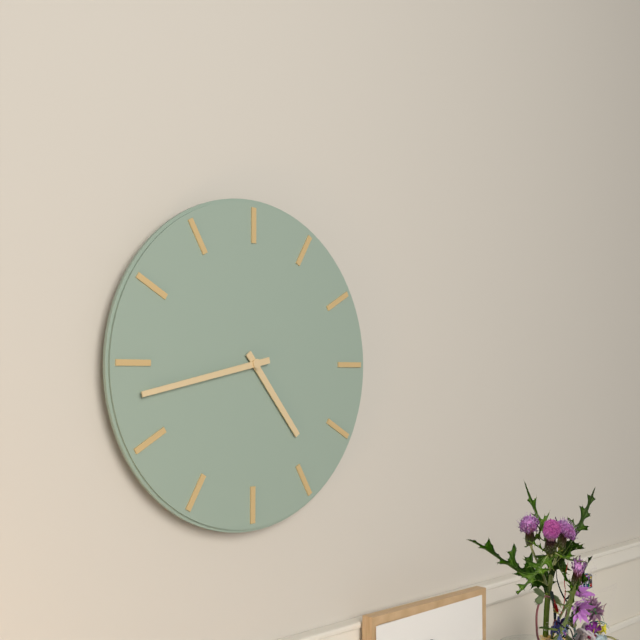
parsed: **4:43**
